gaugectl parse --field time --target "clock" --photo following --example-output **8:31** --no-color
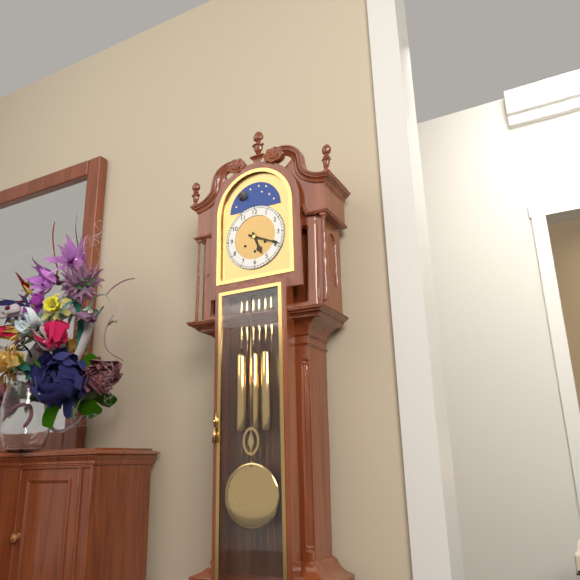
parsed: **5:19**
